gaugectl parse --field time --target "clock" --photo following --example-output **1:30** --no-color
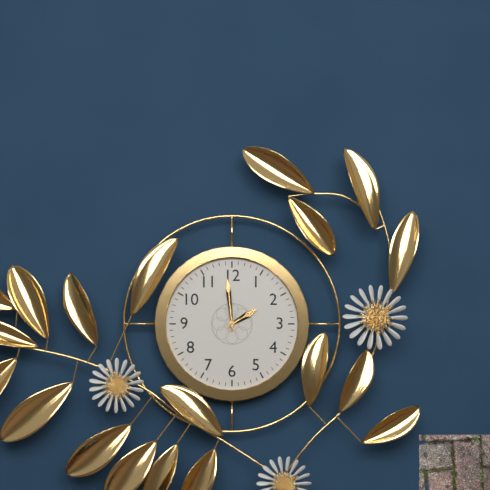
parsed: **1:59**
